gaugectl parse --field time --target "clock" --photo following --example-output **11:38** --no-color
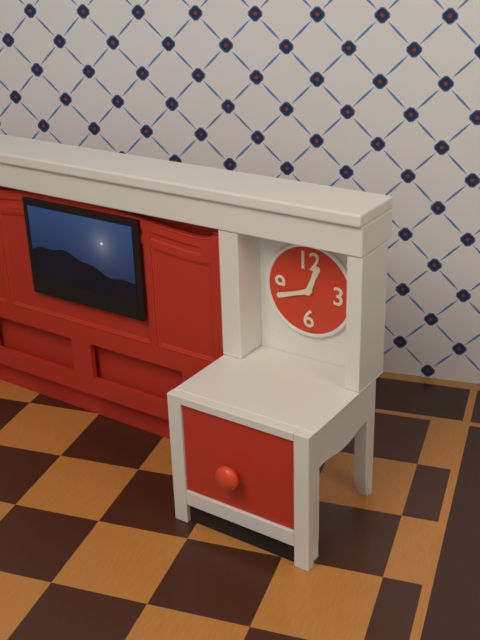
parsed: **12:42**
